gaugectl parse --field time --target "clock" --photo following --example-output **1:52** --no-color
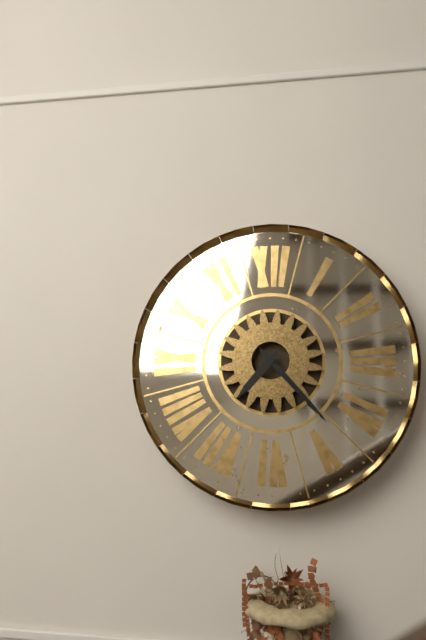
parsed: **7:23**
